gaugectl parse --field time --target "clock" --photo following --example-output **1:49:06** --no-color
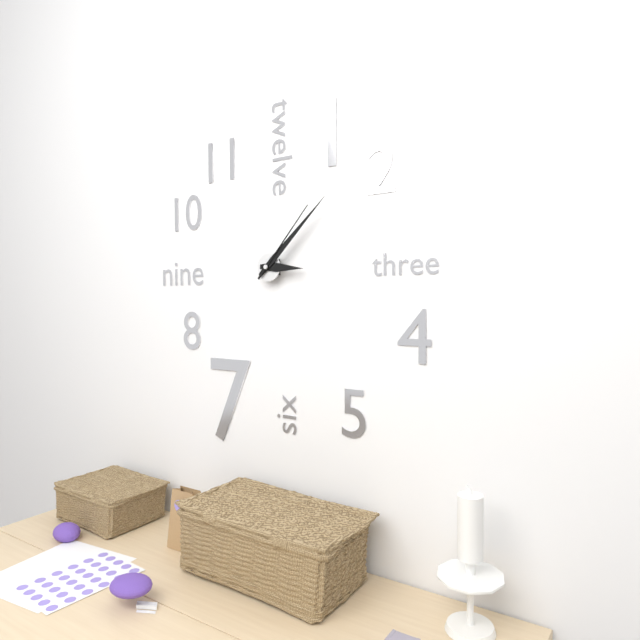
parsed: **3:08:07**
